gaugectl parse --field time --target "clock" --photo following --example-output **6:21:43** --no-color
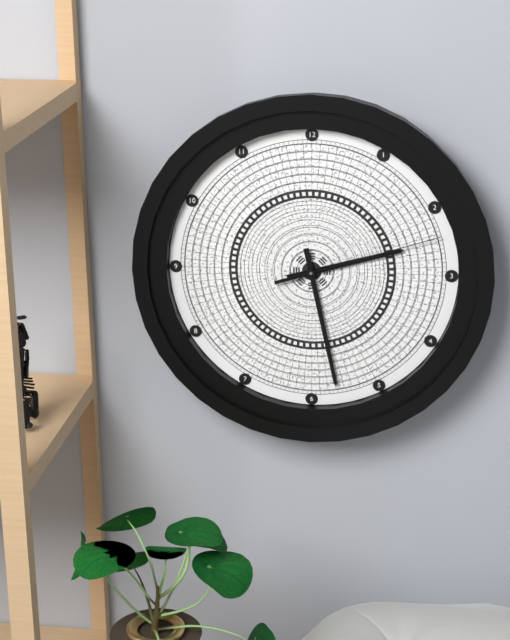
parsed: **2:28:12**
